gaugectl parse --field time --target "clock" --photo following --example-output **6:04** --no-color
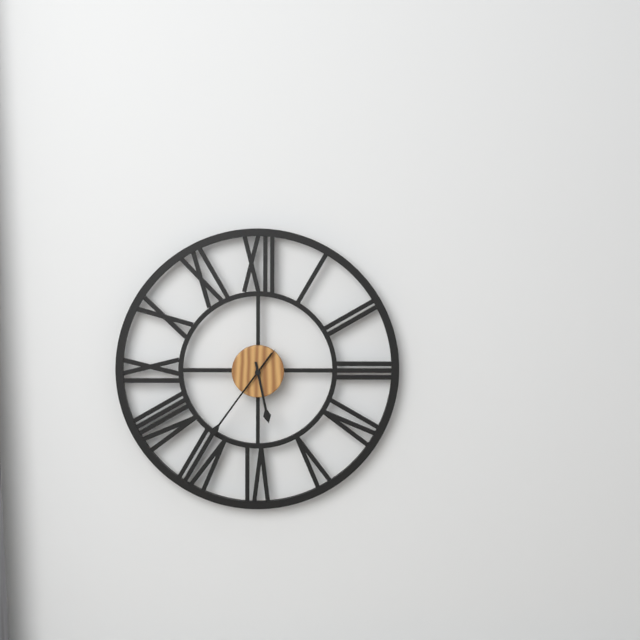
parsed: **5:36**
